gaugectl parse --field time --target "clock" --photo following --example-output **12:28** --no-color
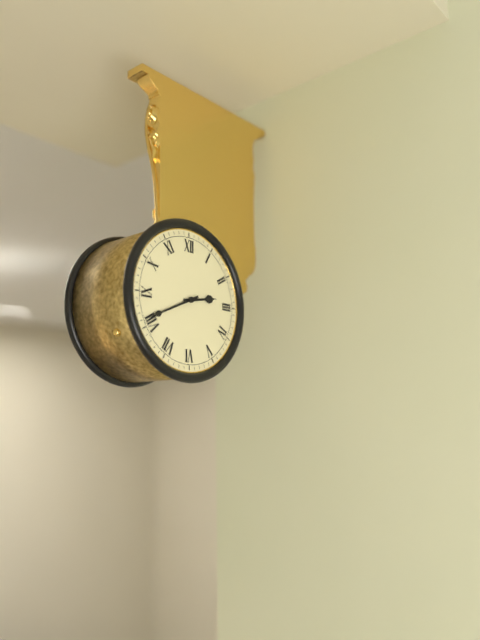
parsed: **2:41**
